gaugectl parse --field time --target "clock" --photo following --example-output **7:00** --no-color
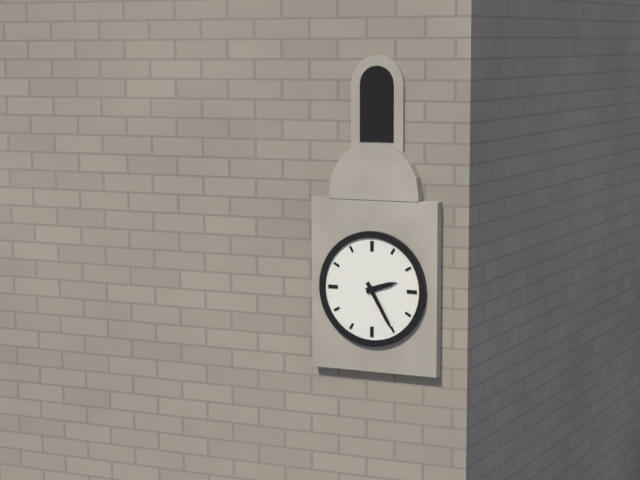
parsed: **2:25**
